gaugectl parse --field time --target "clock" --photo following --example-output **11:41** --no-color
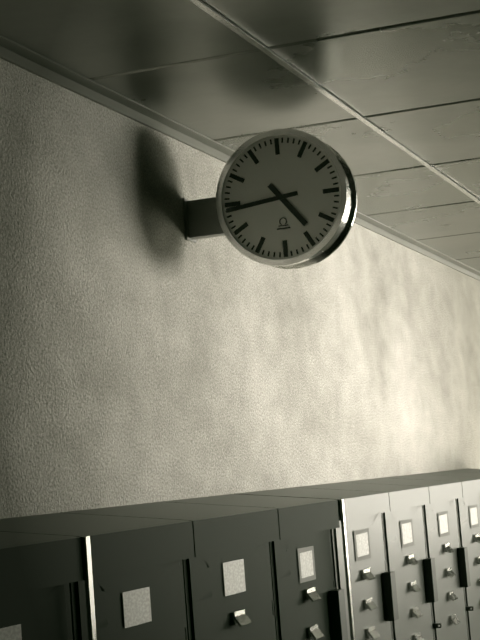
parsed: **4:44**
